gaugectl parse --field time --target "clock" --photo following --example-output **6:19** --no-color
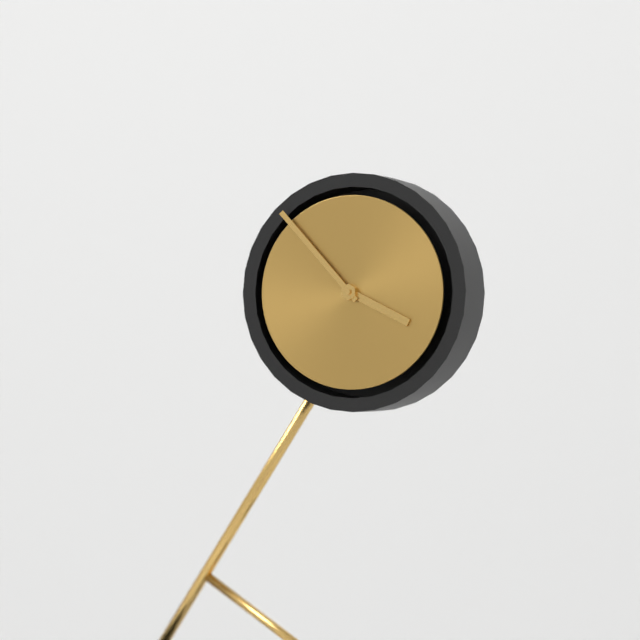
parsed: **3:53**
